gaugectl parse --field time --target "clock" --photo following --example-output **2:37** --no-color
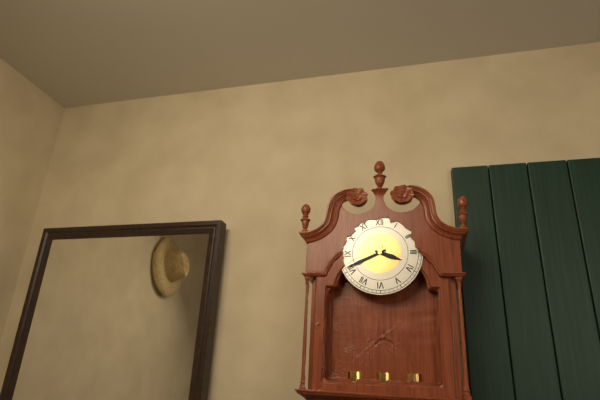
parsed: **3:41**
